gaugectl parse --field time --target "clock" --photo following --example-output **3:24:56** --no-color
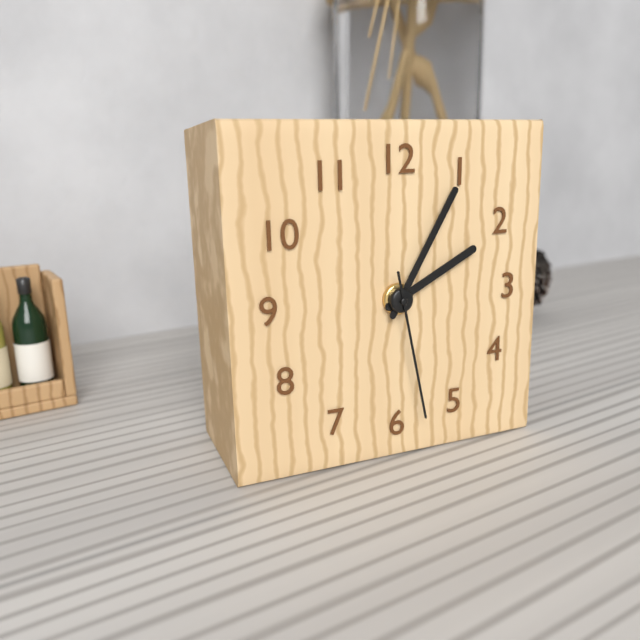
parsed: **2:05:28**
